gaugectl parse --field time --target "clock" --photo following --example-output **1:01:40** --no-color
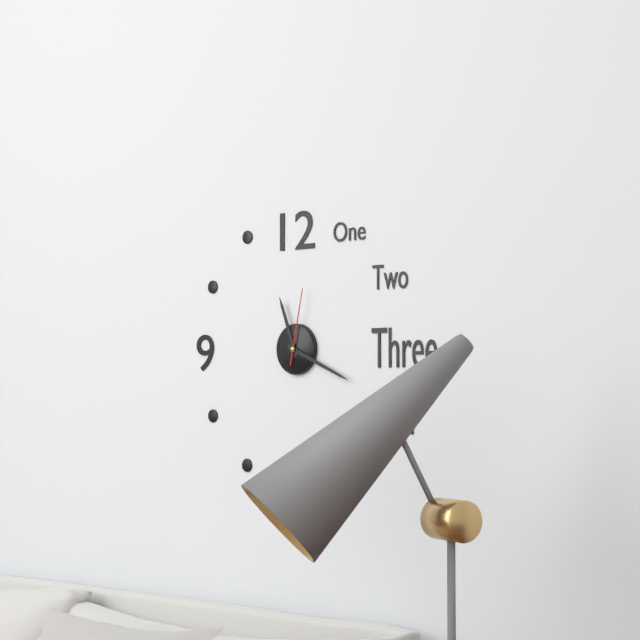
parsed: **11:19:02**
